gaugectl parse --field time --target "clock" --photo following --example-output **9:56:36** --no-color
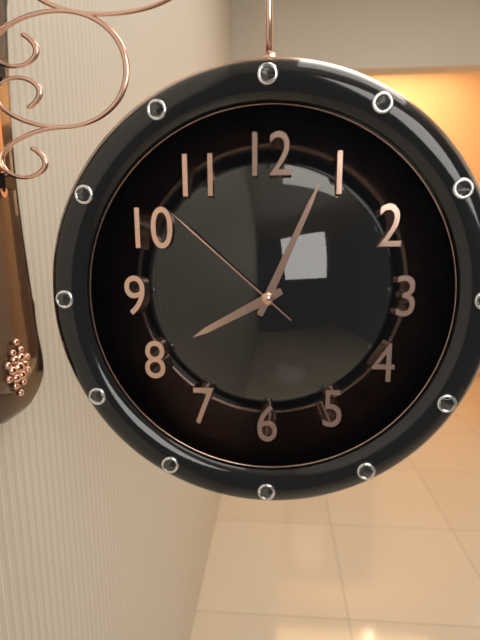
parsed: **8:04:52**
